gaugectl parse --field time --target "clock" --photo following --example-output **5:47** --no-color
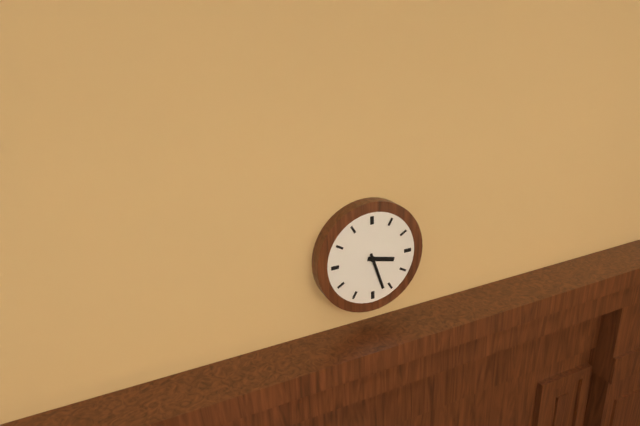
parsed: **3:27**
